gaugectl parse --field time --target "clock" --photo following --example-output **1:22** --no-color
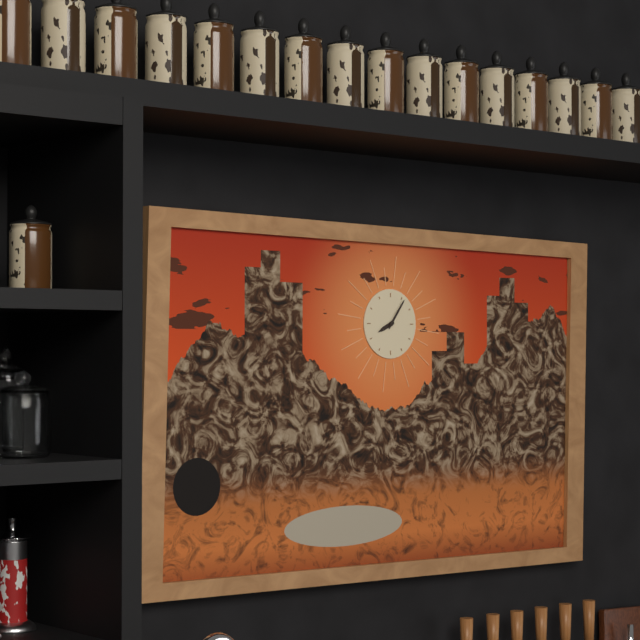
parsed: **8:06**
